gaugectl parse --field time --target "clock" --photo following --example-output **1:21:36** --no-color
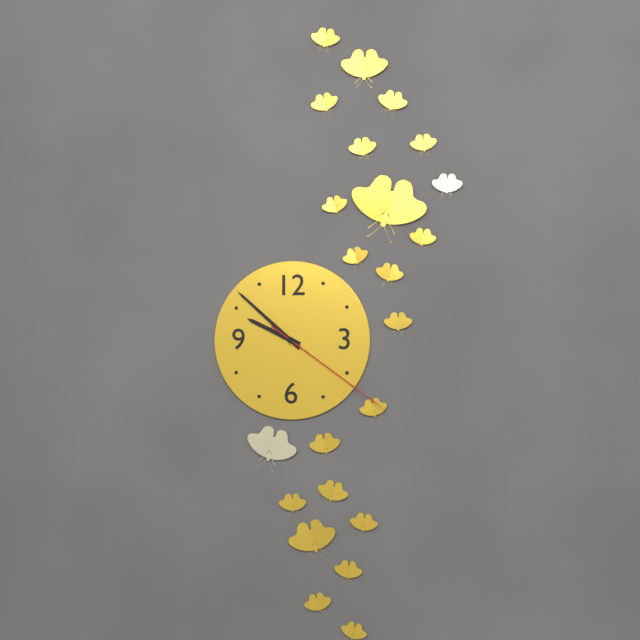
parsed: **9:52:21**
